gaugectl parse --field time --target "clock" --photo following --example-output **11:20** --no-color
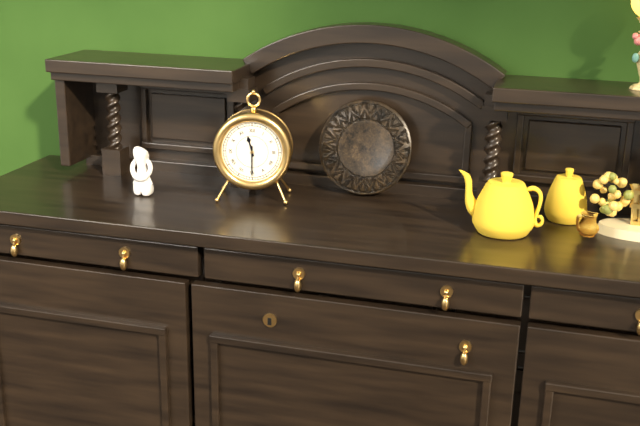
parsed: **11:30**
